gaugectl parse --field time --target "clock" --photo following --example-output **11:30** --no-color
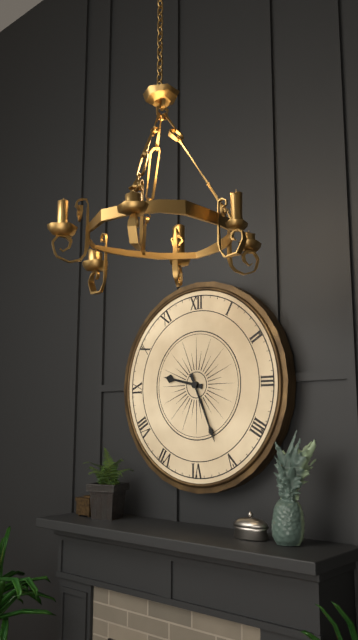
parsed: **9:26**
